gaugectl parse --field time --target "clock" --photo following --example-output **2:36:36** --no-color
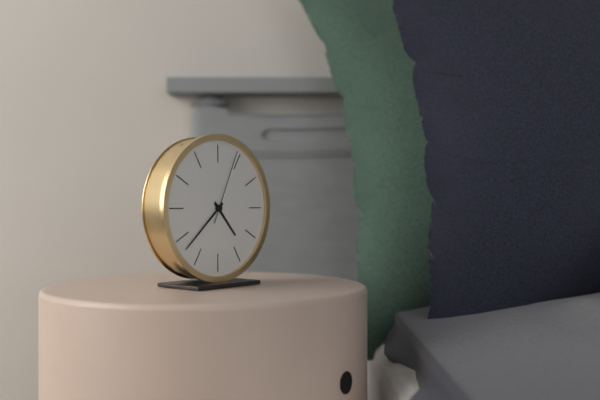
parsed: **4:38:04**
